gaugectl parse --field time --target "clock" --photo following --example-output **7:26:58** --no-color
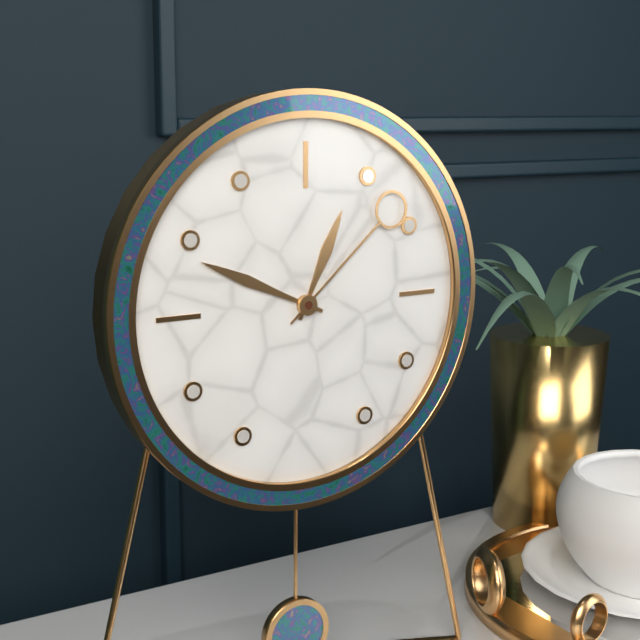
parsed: **12:49:08**
